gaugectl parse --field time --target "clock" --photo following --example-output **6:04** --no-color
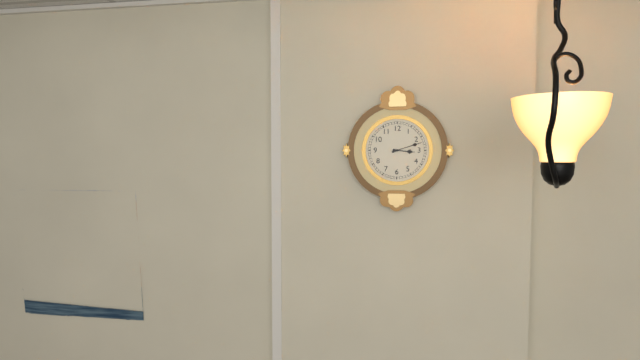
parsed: **3:12**
